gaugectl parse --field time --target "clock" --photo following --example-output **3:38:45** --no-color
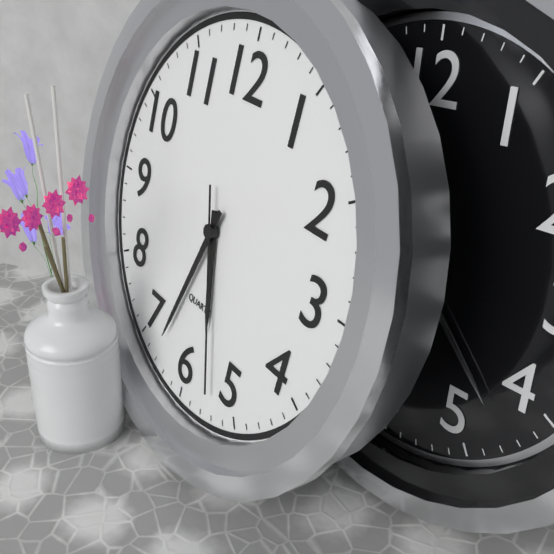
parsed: **5:33:27**
